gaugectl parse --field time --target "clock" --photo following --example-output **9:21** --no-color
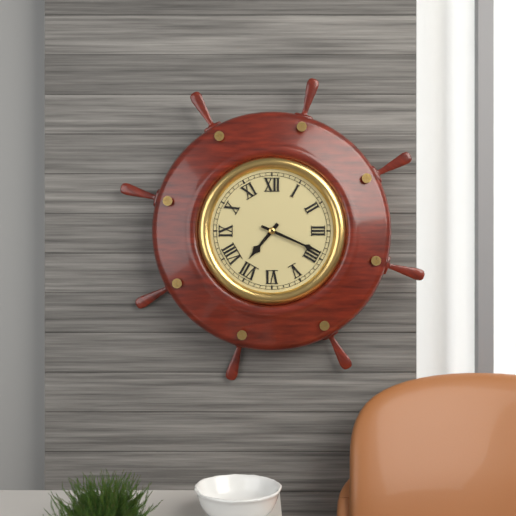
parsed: **7:19**
